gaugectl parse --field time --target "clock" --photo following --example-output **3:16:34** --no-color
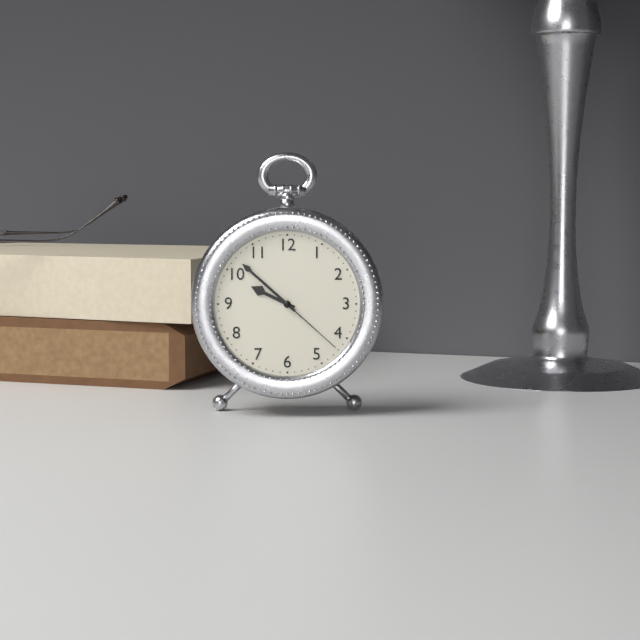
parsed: **9:52:22**
